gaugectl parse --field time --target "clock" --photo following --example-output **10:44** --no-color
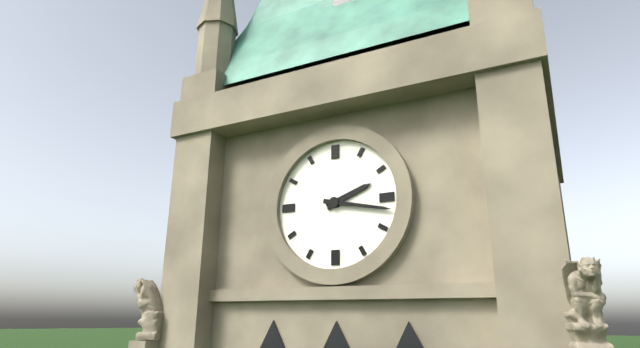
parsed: **2:17**
